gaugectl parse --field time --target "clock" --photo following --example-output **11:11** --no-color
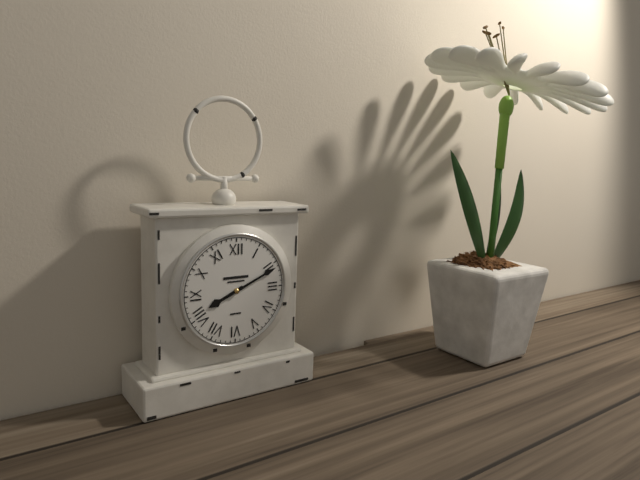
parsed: **8:11**
